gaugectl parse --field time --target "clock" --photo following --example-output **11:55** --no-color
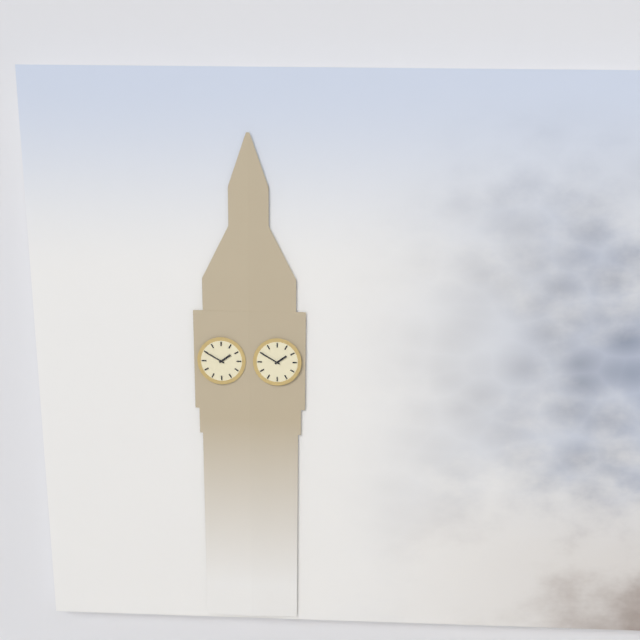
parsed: **1:50**
